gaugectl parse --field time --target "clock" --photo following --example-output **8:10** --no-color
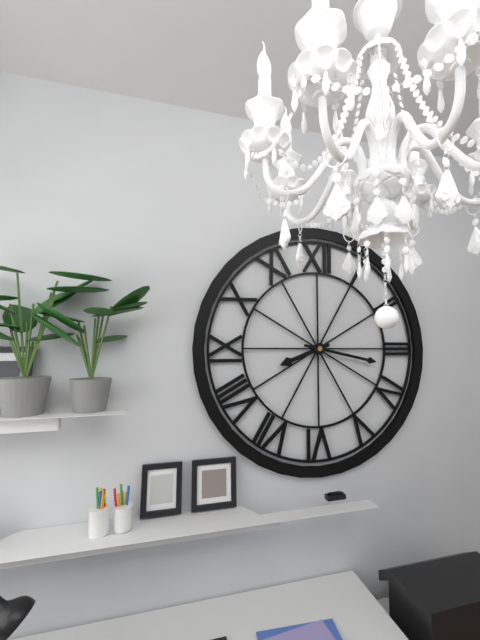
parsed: **8:17**
